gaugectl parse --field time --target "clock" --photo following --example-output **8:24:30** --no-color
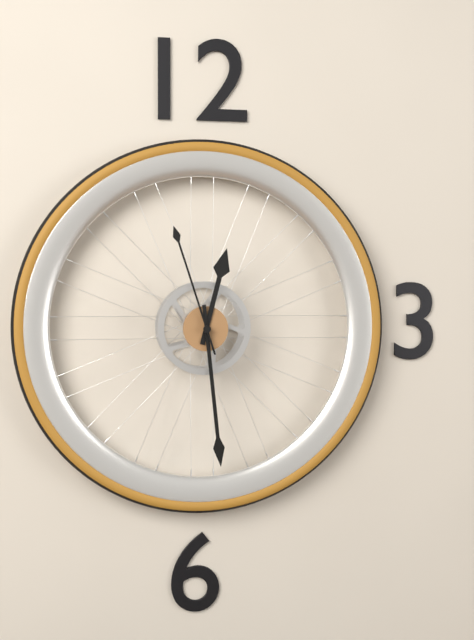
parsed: **12:29:57**
